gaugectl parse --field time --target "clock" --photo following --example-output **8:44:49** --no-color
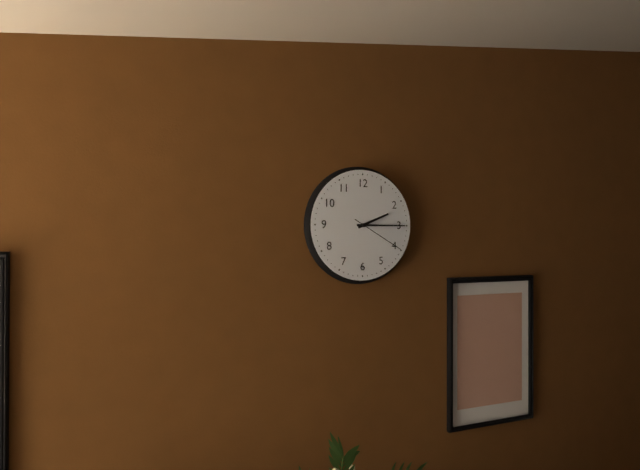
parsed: **2:15:20**
